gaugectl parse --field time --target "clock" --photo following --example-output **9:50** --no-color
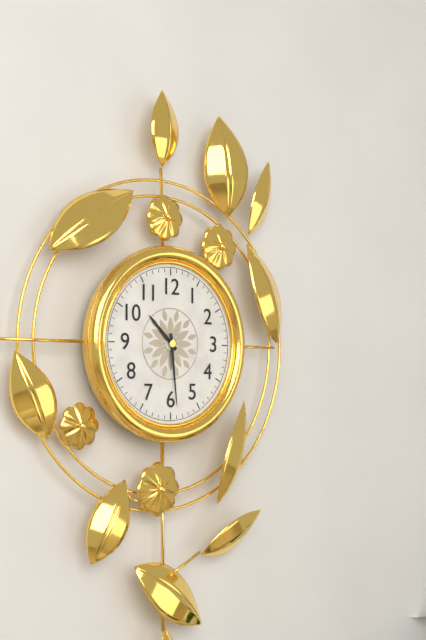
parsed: **10:29**
